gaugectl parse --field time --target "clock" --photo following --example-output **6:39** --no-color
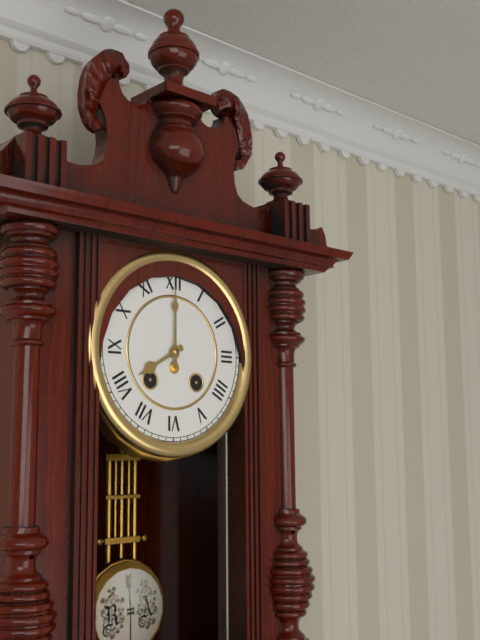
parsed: **8:00**
